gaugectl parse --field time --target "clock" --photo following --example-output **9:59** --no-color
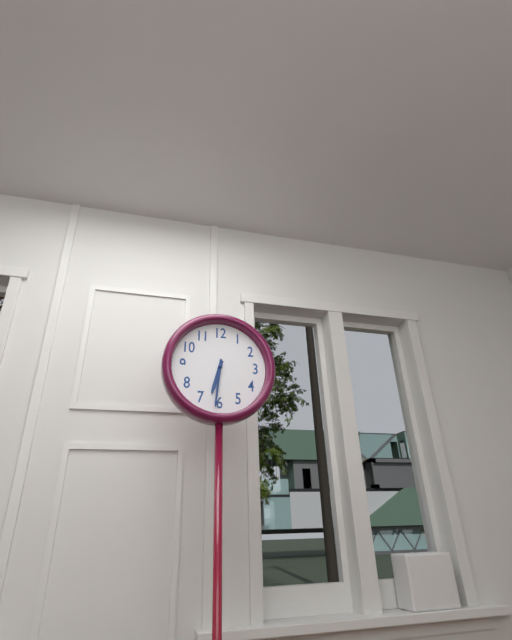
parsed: **6:31**
